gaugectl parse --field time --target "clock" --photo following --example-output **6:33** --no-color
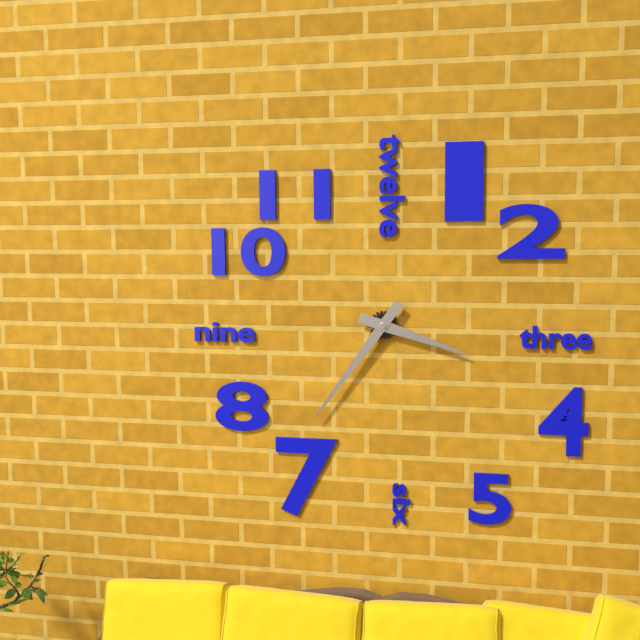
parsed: **3:36**
